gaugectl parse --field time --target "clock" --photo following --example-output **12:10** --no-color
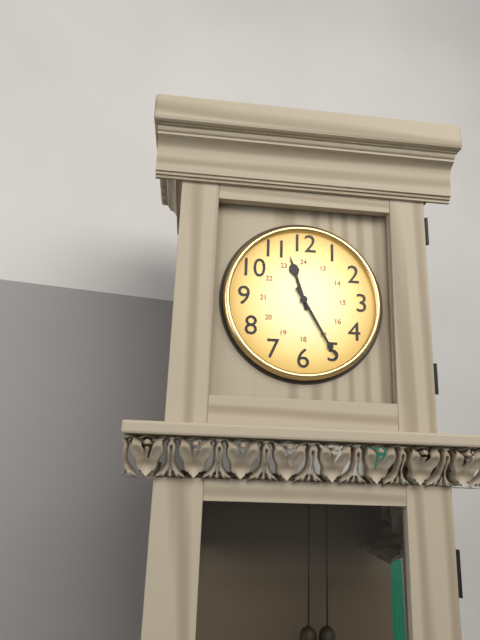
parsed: **11:25**
